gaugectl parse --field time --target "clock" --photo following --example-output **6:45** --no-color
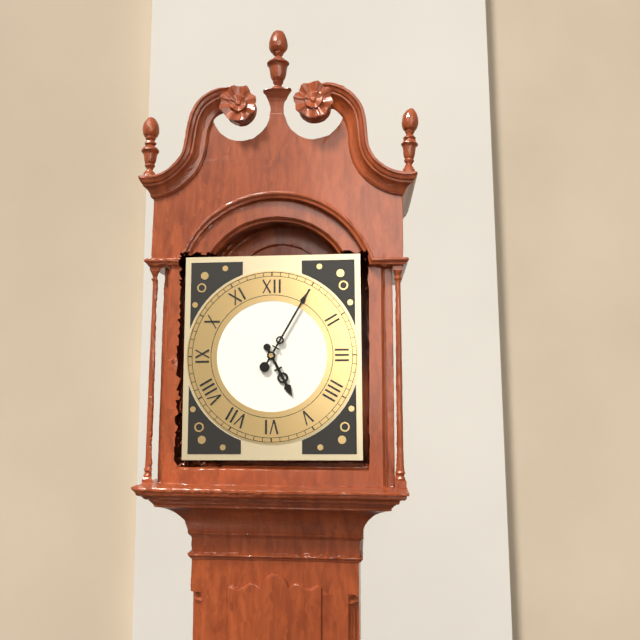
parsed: **5:05**
